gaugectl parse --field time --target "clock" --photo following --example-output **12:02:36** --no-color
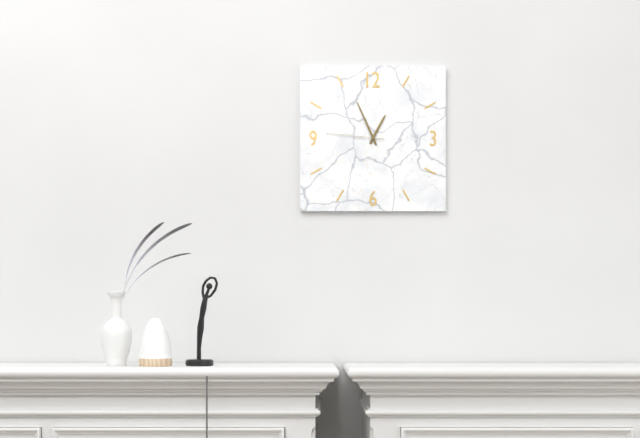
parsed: **12:56:46**
